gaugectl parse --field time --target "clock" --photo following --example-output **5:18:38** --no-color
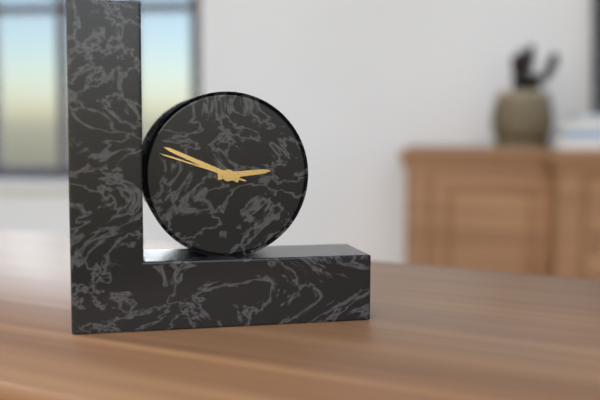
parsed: **2:49:48**
